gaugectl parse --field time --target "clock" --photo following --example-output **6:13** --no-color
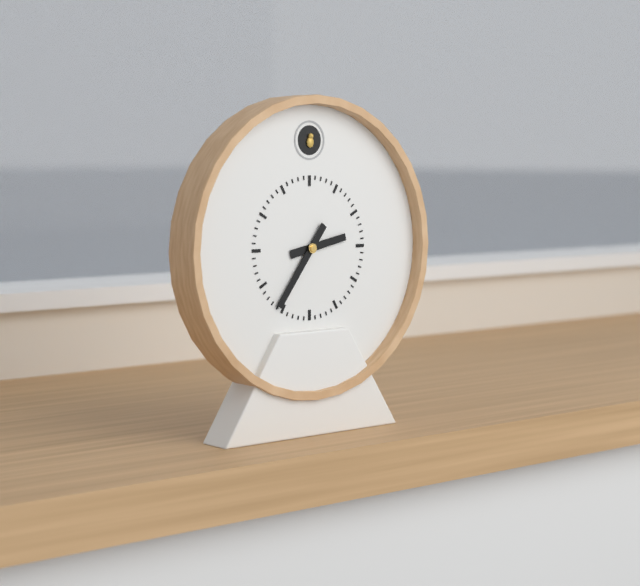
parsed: **2:36**
